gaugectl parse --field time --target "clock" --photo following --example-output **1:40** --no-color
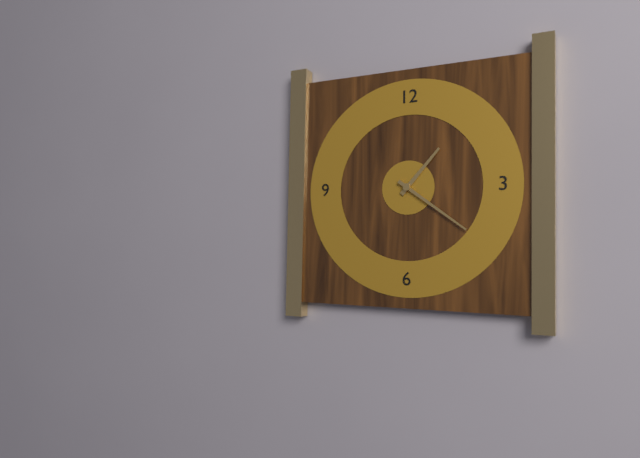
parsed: **1:21**
